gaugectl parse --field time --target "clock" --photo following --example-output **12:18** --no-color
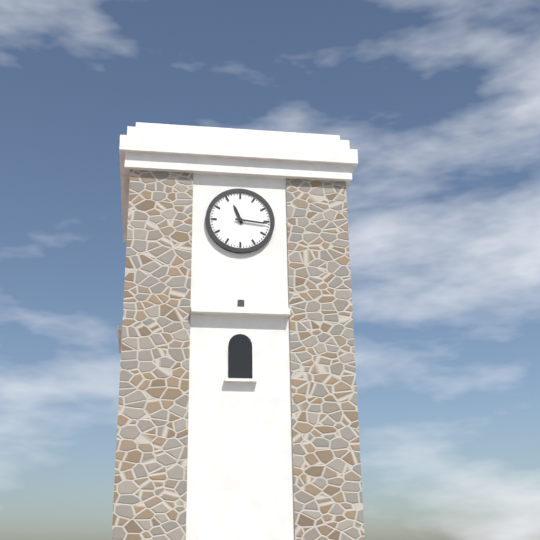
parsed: **11:16**
